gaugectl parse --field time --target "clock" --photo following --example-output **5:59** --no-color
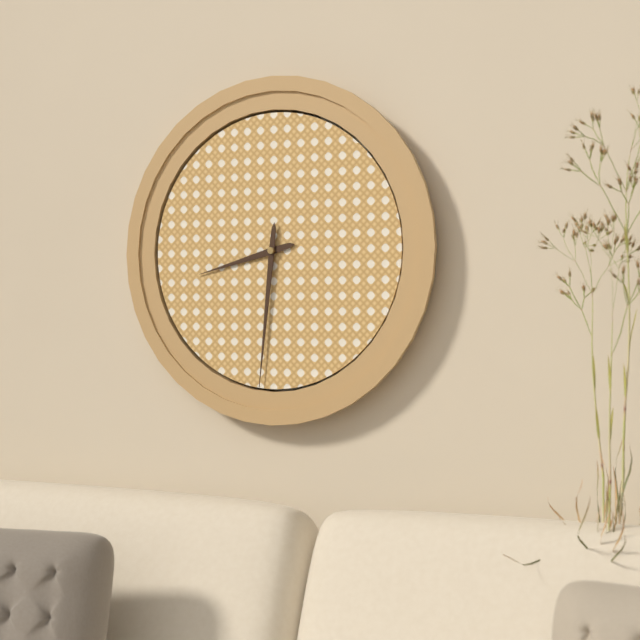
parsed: **8:31**
